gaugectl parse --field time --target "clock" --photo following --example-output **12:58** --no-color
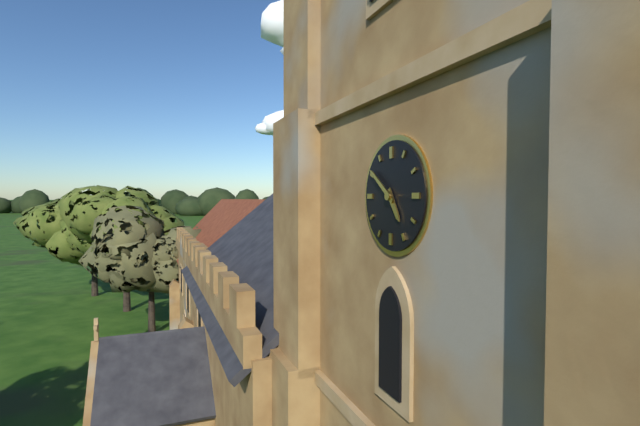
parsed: **4:51**
